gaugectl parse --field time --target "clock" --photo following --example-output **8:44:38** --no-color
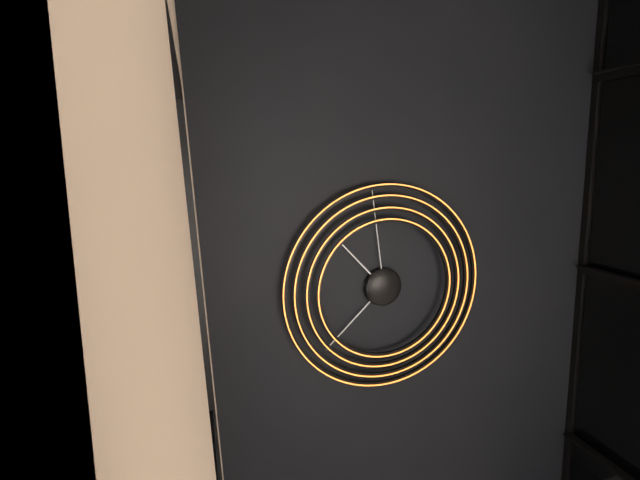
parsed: **10:38:59**
